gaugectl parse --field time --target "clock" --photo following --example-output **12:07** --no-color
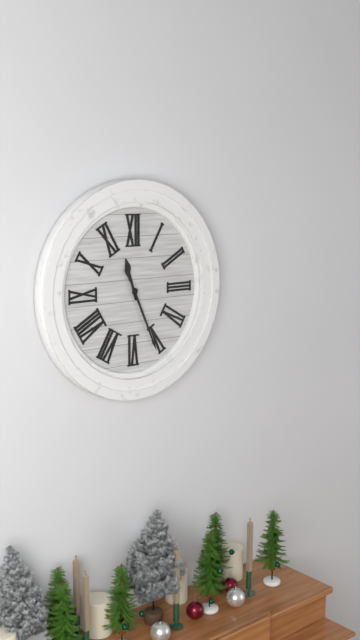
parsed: **11:26**
